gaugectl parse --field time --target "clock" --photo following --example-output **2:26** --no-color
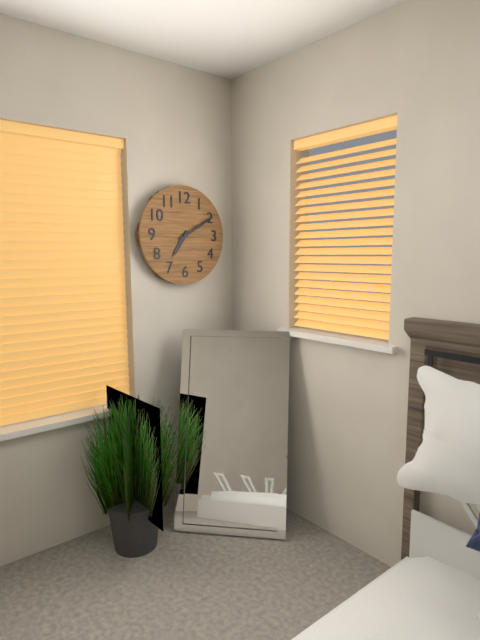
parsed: **7:10**
